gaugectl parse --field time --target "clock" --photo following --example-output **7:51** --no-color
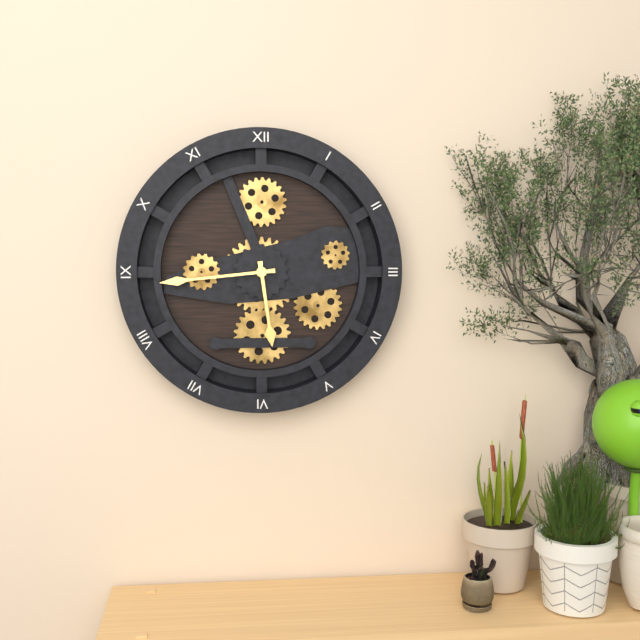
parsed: **5:44**
